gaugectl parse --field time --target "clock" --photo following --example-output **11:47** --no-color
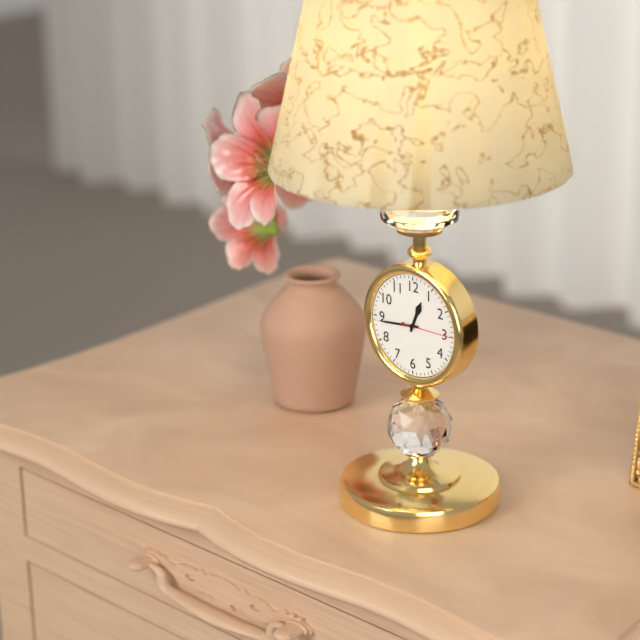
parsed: **12:44**
